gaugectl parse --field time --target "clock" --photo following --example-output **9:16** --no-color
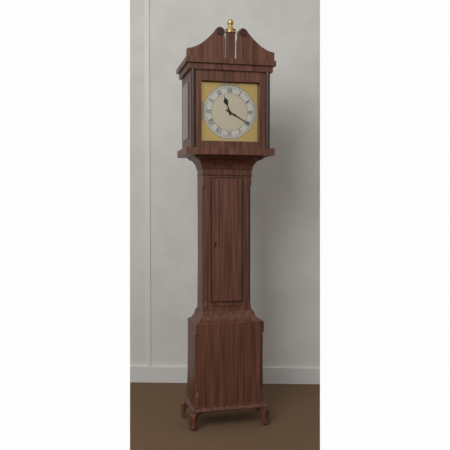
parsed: **11:20**
